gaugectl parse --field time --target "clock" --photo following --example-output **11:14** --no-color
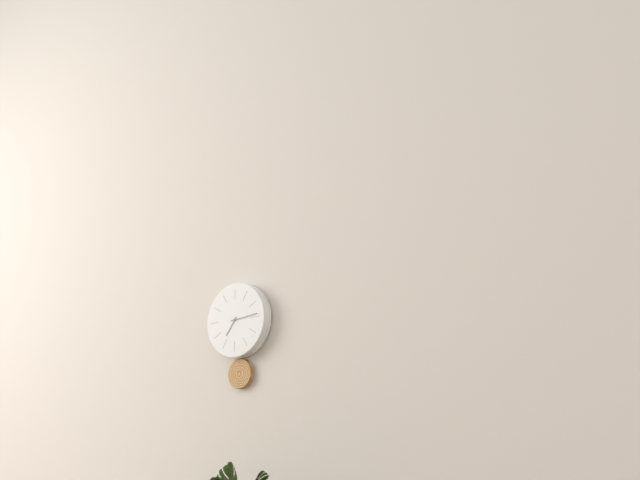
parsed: **7:14**
